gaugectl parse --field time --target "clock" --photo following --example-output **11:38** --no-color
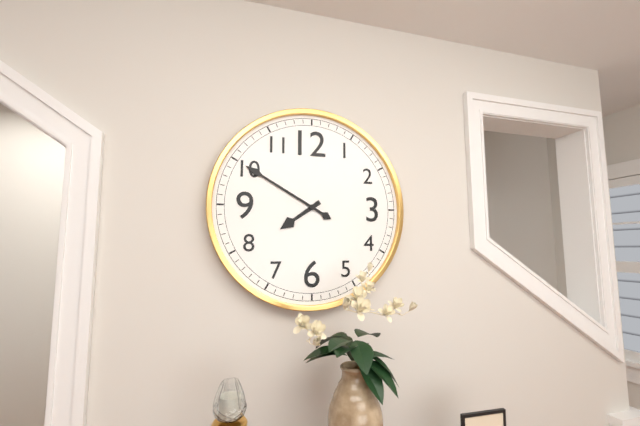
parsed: **7:50**
